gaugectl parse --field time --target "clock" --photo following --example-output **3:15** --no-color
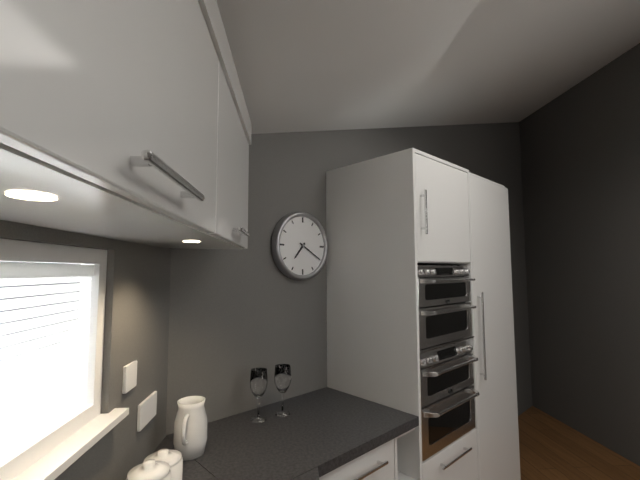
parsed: **7:20**
